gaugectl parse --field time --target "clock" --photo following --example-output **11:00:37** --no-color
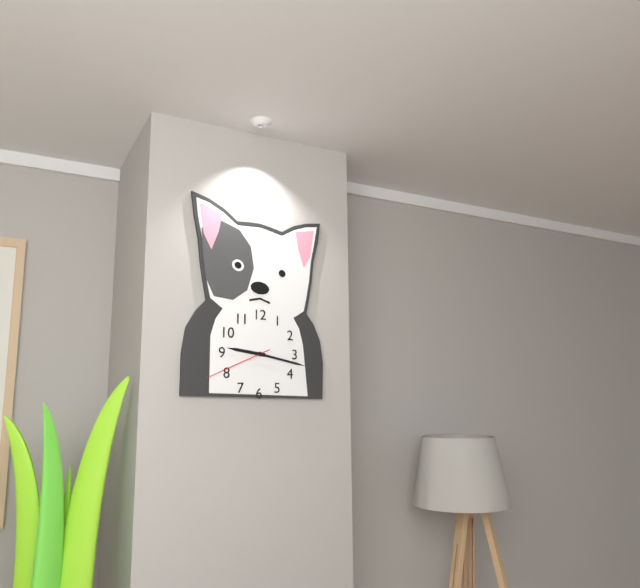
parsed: **9:17:41**
